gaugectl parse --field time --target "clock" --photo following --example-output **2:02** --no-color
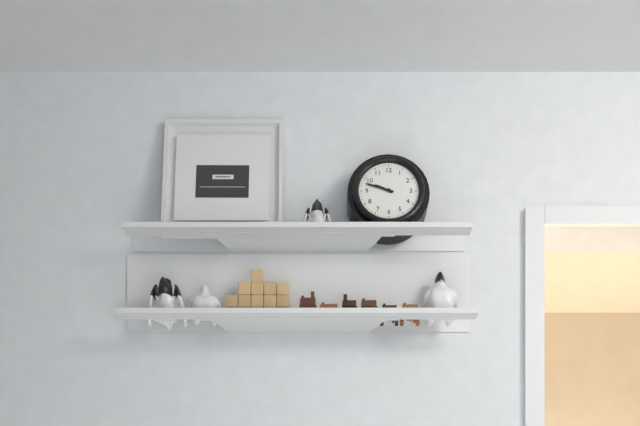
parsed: **9:48**
